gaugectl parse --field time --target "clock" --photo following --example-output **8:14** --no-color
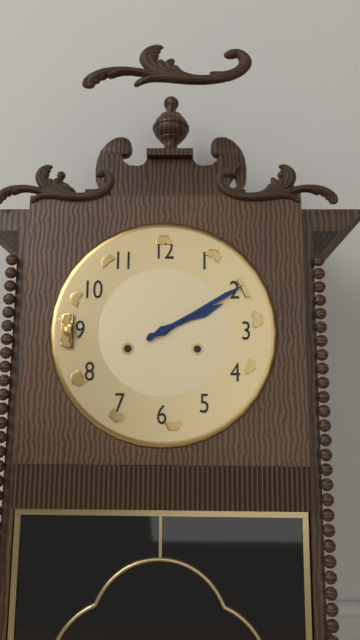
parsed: **2:10**
